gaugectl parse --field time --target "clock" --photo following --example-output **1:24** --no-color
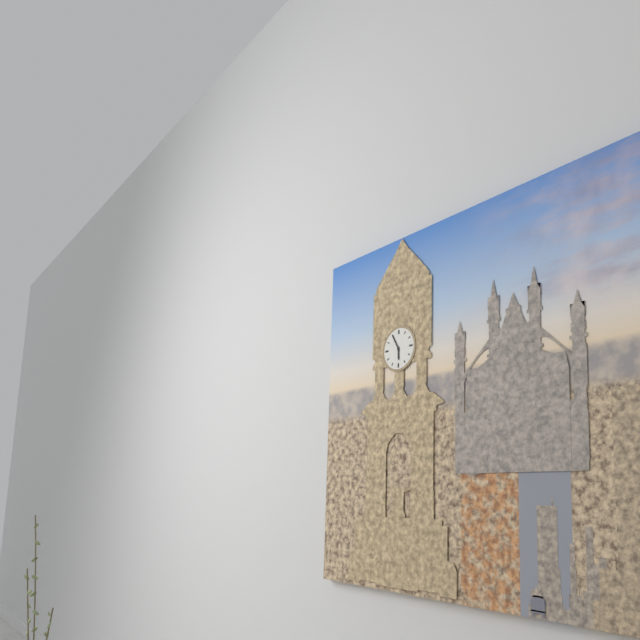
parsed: **5:55**
